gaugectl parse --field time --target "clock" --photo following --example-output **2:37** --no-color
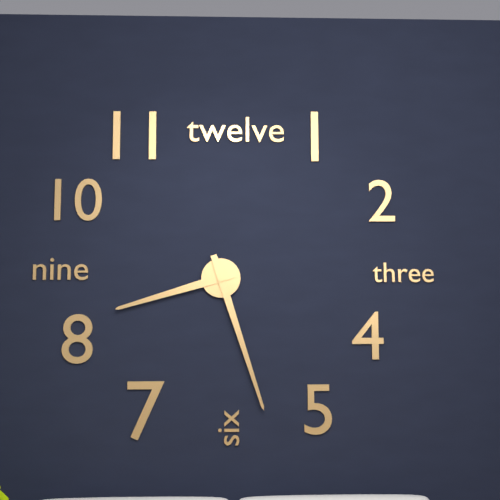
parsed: **8:27**
